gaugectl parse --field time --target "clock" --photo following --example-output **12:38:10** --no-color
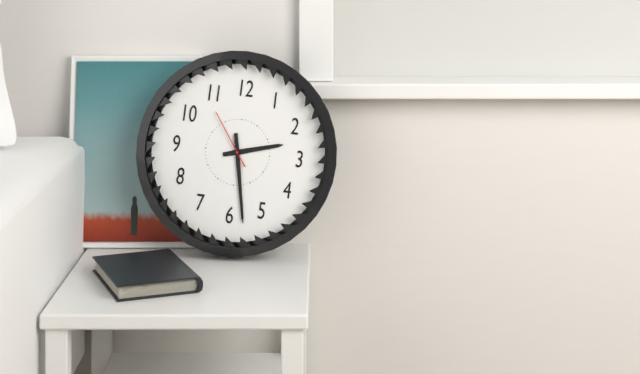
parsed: **2:28:54**
